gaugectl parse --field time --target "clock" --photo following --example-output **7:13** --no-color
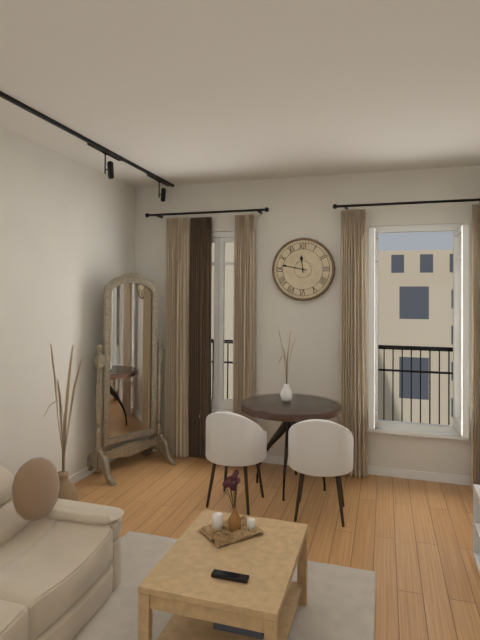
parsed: **11:47**
